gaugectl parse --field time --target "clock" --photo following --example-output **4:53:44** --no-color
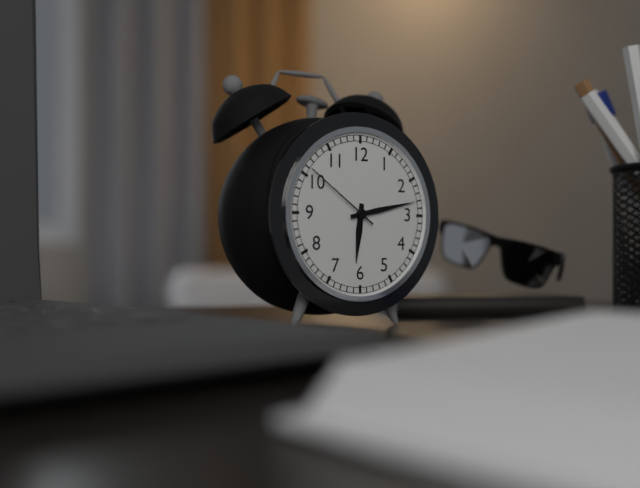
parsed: **6:13:51**
